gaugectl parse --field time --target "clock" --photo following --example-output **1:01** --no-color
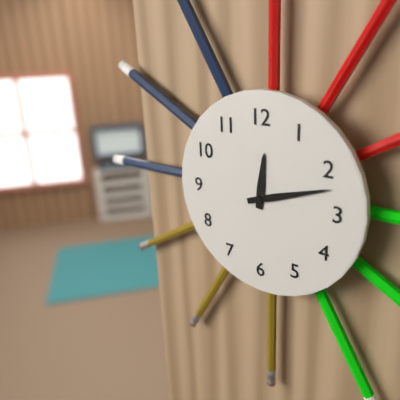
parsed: **12:12**
